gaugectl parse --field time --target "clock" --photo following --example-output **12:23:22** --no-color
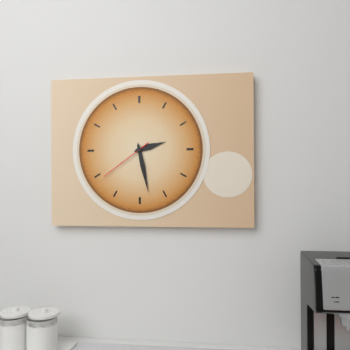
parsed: **2:28:39**
